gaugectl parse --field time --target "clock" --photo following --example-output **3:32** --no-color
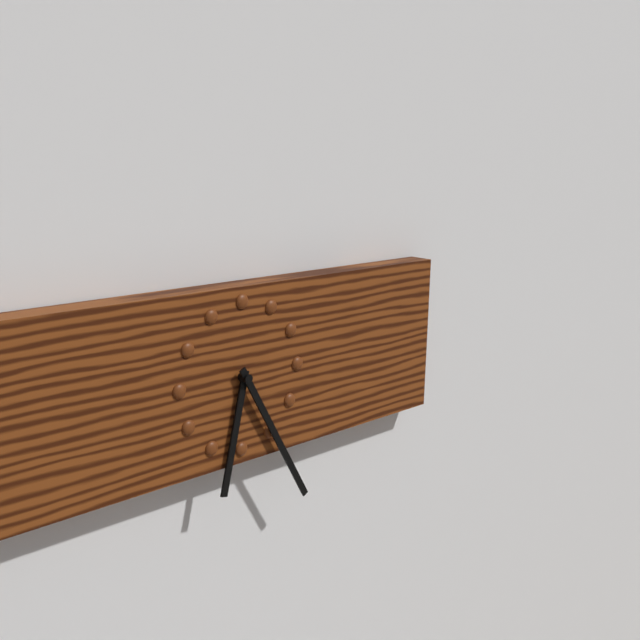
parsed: **6:25**
